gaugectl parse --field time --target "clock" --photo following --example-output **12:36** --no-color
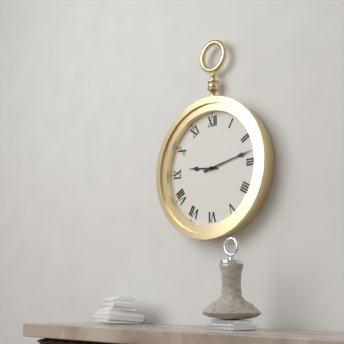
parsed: **9:13**
